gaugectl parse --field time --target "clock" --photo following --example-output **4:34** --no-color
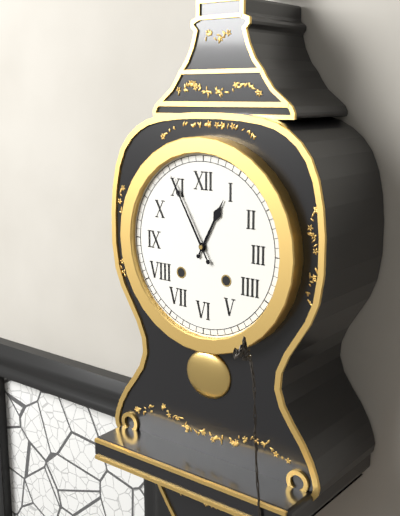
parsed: **12:55**
